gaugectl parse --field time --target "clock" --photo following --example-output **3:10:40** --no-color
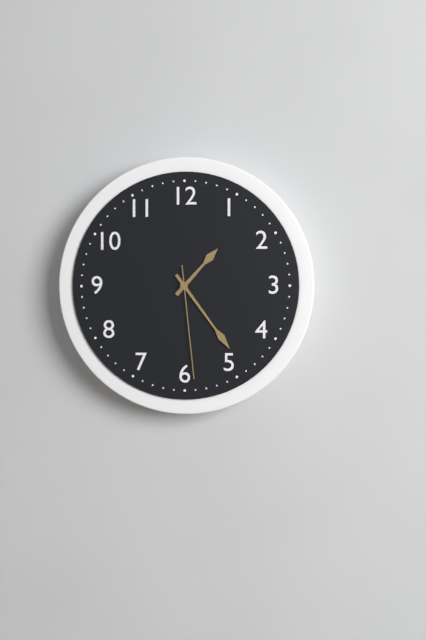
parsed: **1:24:29**
